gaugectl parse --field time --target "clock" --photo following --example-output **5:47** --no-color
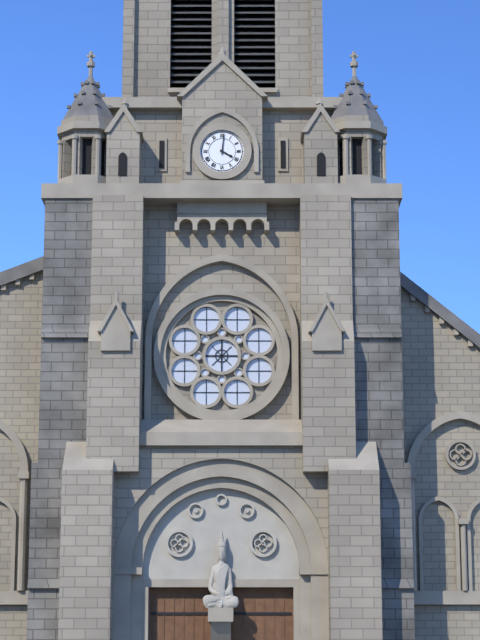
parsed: **4:01**
